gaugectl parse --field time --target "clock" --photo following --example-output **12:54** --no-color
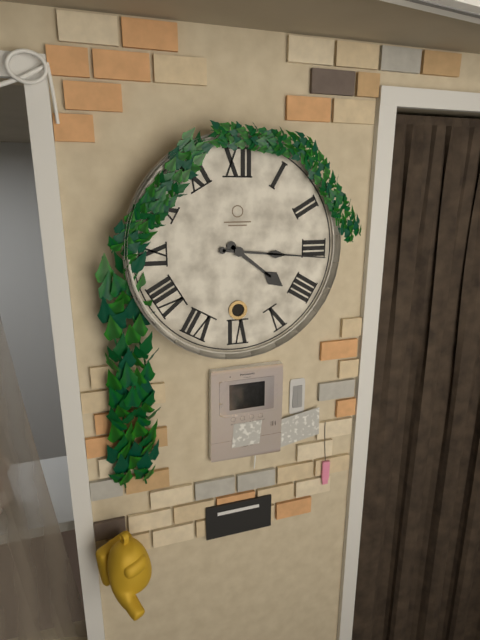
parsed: **4:16**
